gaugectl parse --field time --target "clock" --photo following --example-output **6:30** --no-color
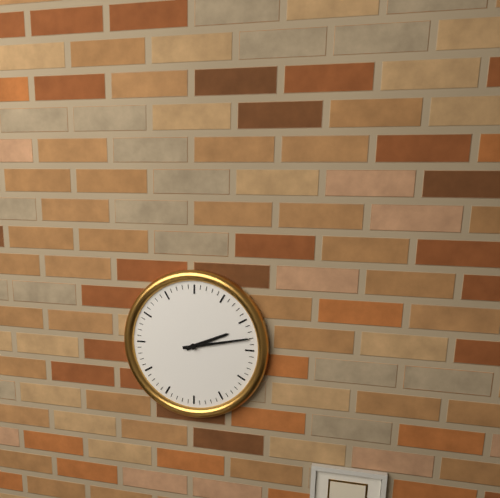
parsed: **2:13**
